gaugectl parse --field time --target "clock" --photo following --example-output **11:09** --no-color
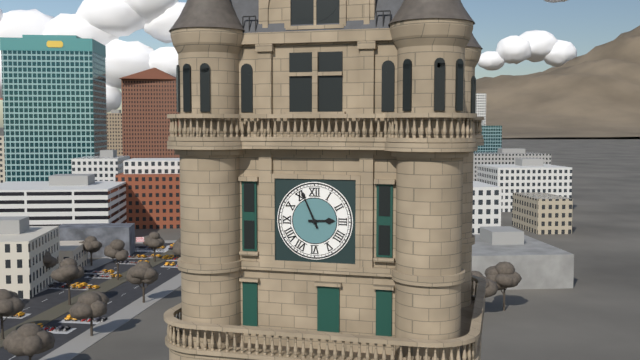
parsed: **2:56**
